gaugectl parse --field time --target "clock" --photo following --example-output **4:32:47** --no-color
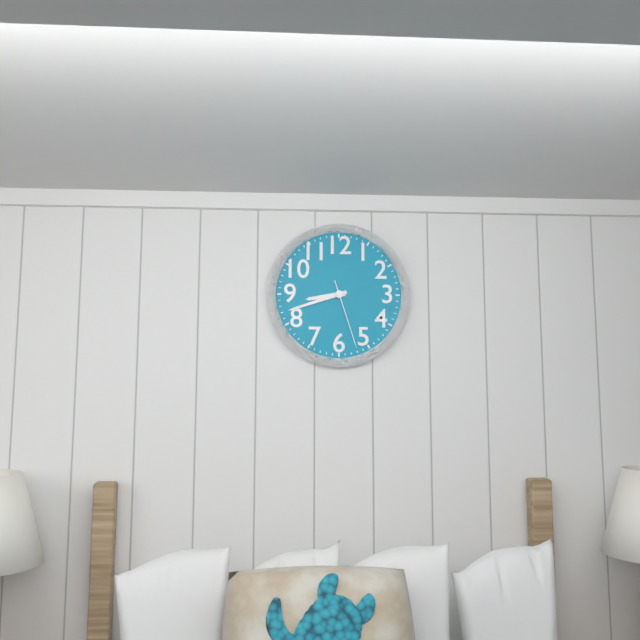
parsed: **8:42:27**
